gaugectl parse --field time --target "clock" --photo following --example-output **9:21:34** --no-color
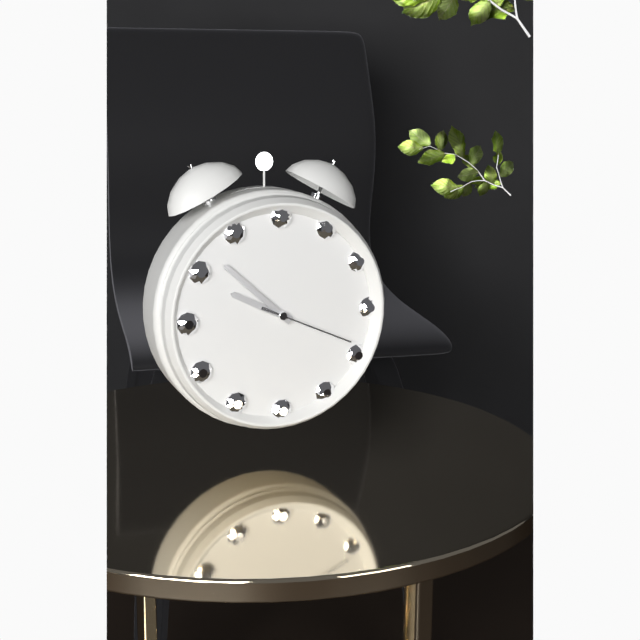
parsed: **9:52:19**
